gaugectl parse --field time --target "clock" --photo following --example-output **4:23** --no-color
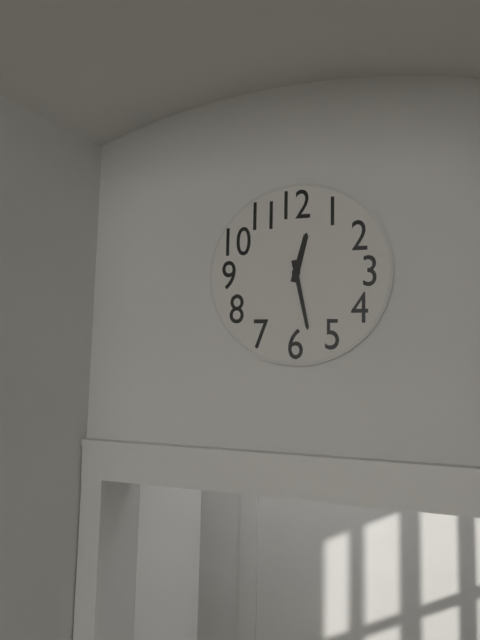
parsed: **12:28**
